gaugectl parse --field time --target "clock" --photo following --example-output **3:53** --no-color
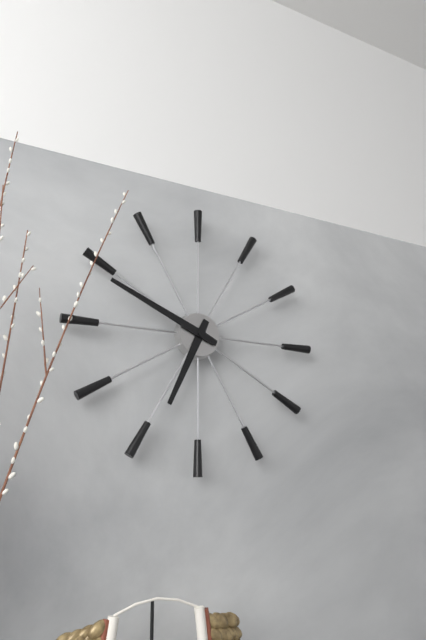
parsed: **6:49**
